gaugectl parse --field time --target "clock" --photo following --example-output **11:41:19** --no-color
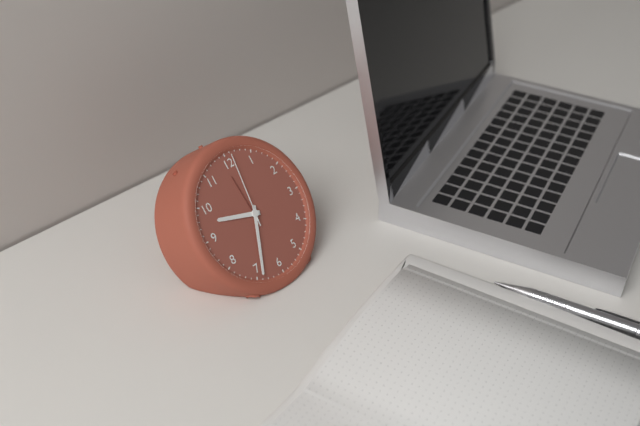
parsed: **9:34:01**
